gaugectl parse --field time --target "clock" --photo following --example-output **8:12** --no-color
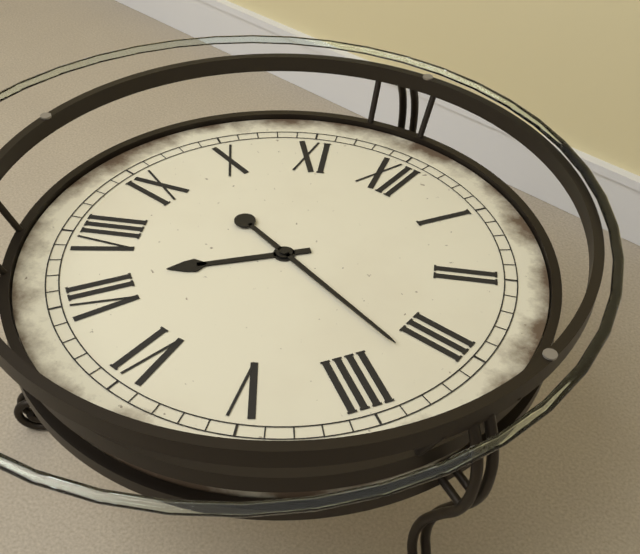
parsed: **7:17**
